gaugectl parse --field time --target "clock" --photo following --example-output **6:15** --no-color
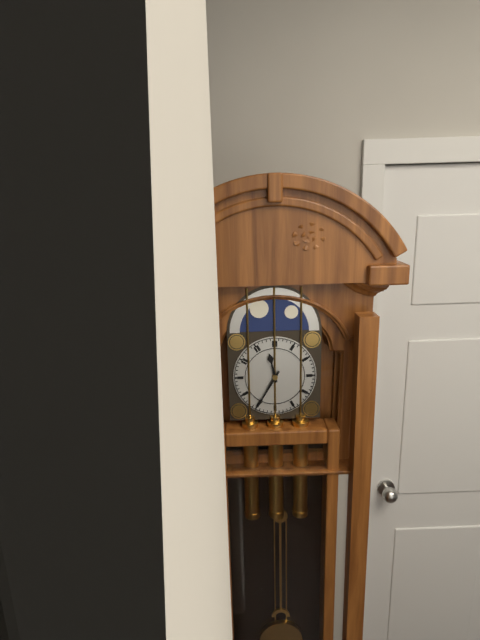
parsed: **11:35**
